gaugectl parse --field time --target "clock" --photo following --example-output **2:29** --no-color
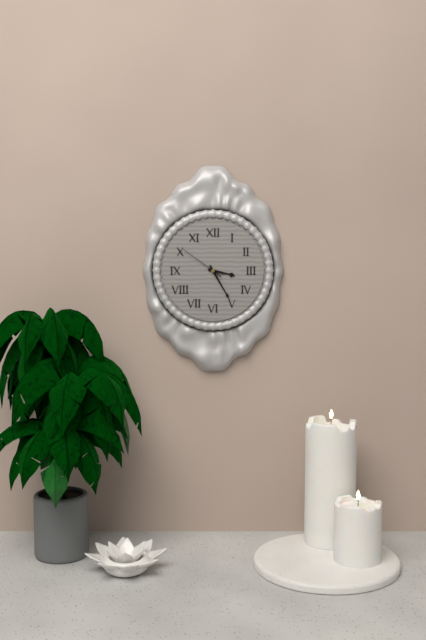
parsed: **3:25**
